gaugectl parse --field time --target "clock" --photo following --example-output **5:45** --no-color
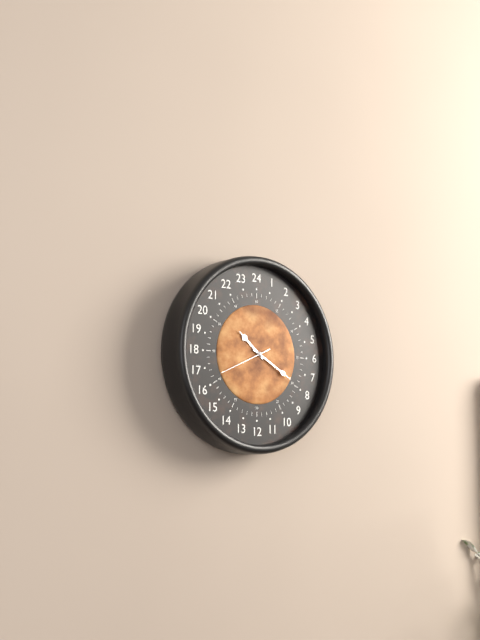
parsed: **10:20**
